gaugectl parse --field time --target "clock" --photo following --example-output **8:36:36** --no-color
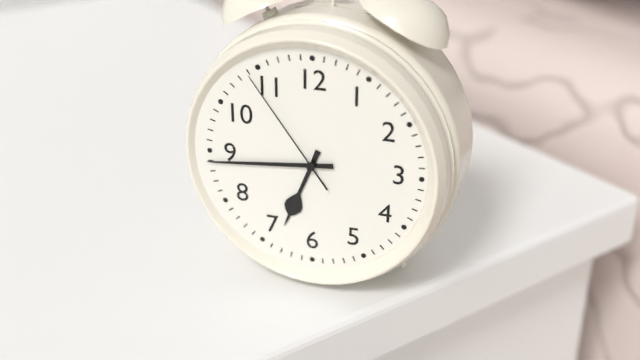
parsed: **6:44:54**
